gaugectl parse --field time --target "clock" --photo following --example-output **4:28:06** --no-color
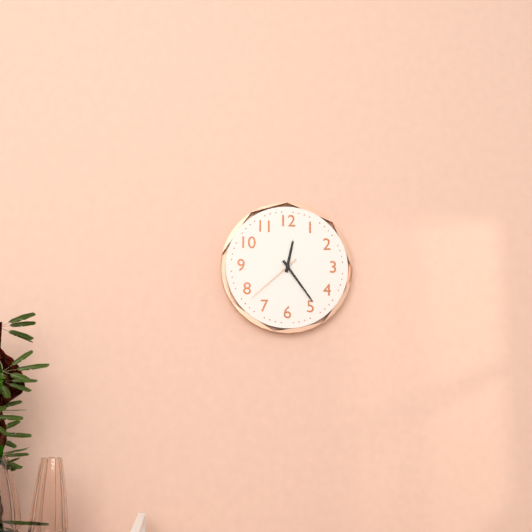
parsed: **12:24:38**
